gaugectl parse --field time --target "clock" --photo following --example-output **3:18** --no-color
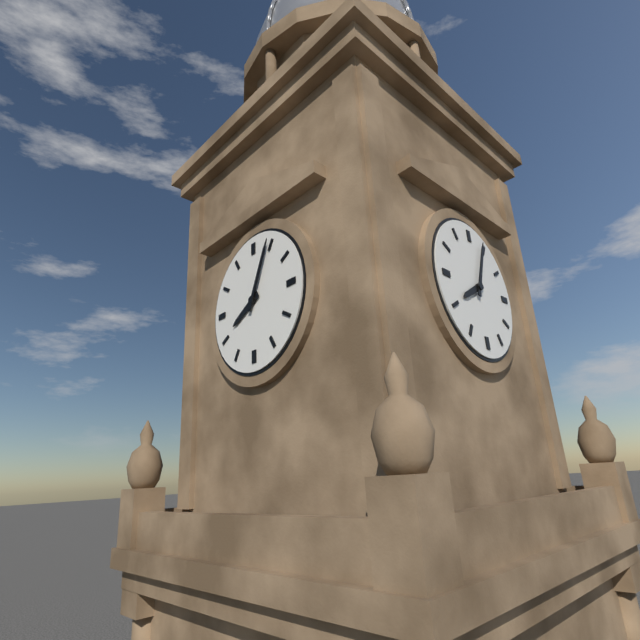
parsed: **8:04**
